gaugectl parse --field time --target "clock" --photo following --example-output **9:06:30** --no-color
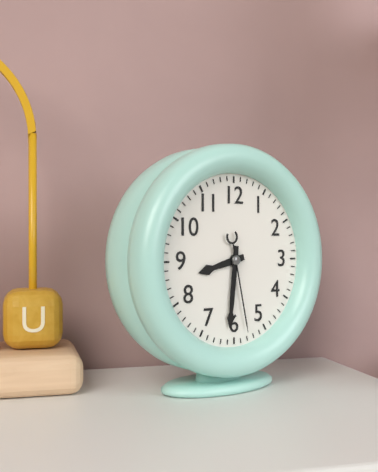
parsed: **8:31:28**
